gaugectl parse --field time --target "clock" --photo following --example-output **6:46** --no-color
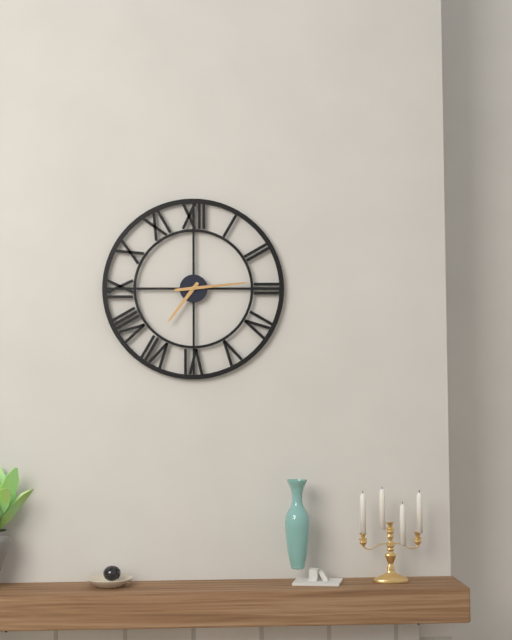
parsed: **7:14**
